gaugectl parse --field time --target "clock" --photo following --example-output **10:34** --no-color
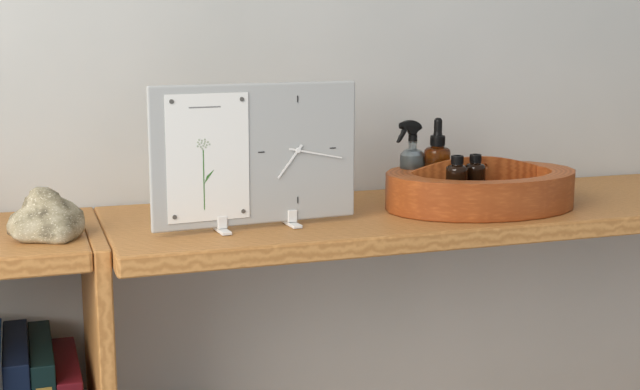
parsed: **7:17**
